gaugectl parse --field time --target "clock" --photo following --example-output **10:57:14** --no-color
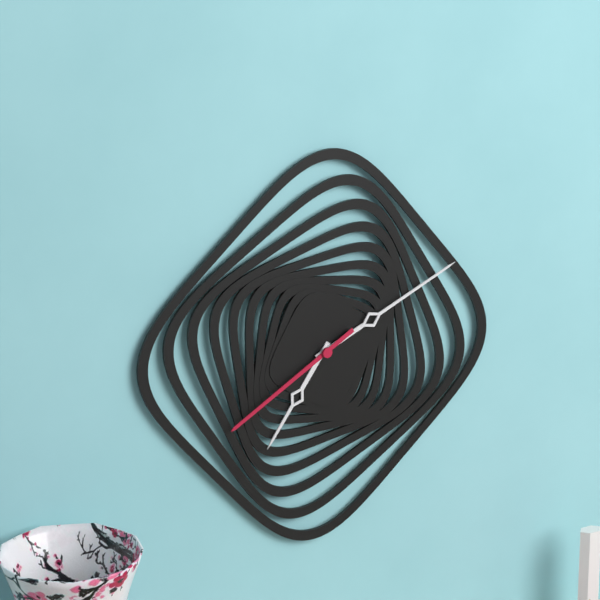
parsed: **7:11:40**
